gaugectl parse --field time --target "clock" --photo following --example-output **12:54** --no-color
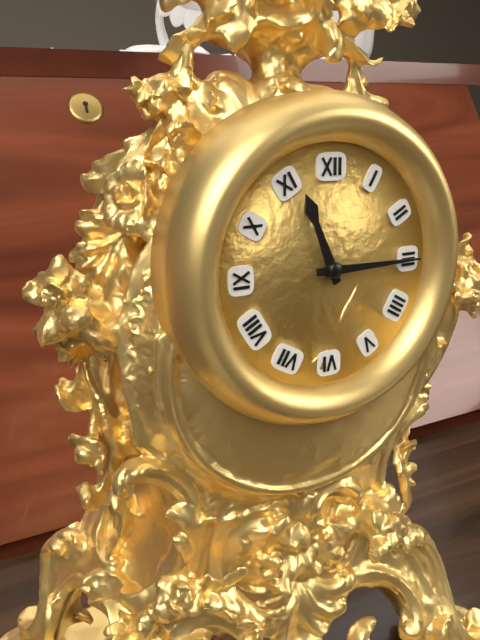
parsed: **11:15**
